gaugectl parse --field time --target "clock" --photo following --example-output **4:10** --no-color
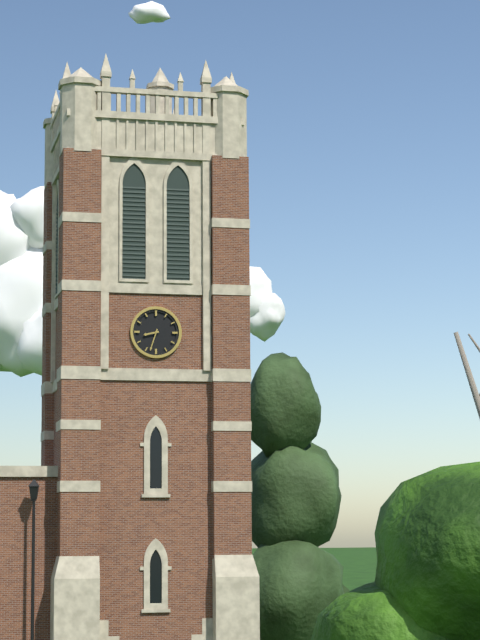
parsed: **8:33**
